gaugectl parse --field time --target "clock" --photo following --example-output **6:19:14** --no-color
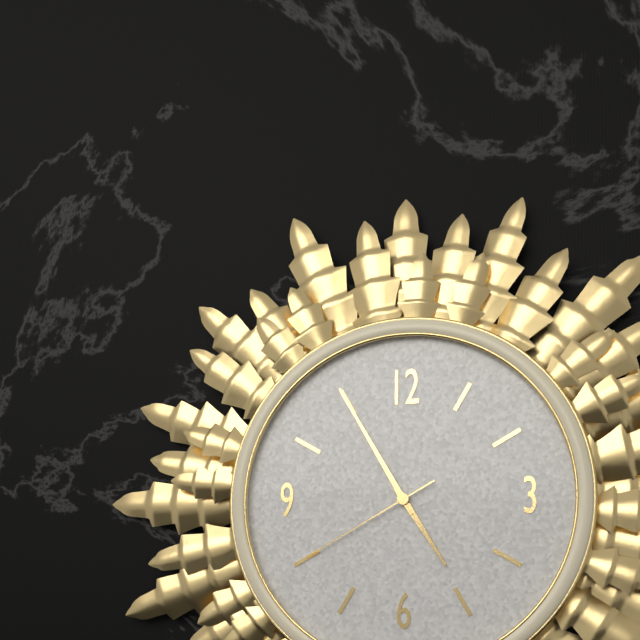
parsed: **4:55:40**
